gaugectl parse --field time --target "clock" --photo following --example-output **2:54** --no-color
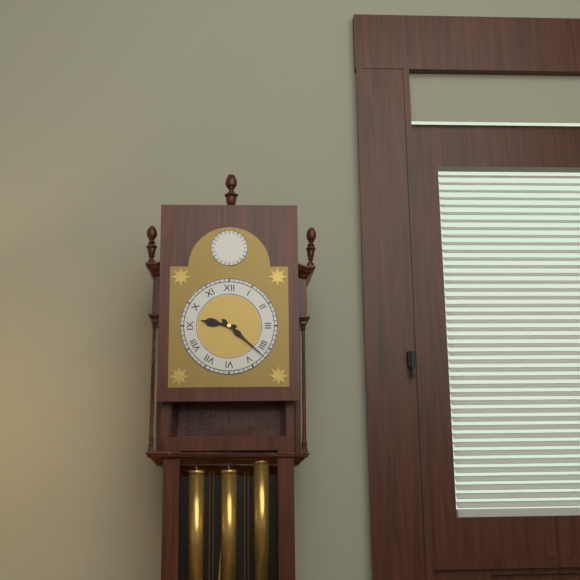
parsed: **9:22**
